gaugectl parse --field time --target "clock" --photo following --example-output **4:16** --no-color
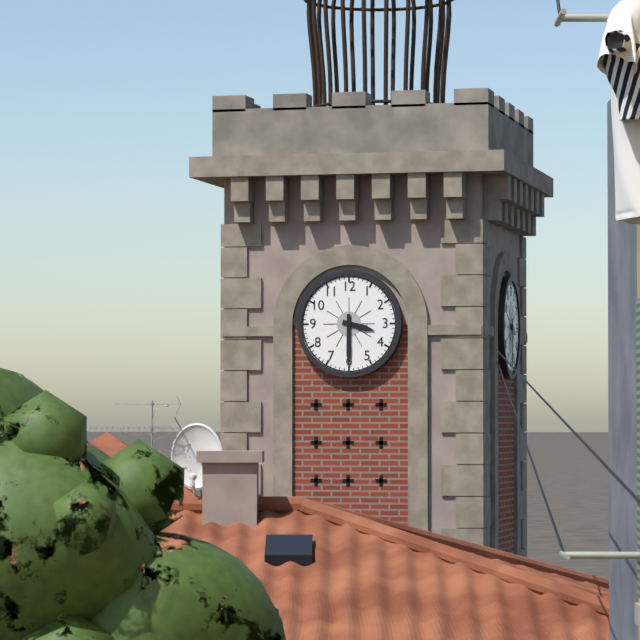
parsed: **3:30**
